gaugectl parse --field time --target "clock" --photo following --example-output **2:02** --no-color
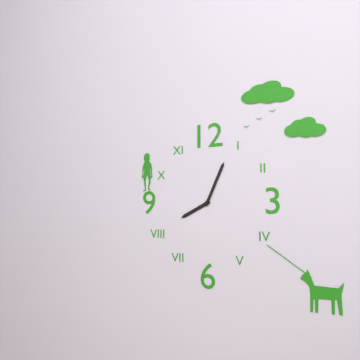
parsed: **8:04**
